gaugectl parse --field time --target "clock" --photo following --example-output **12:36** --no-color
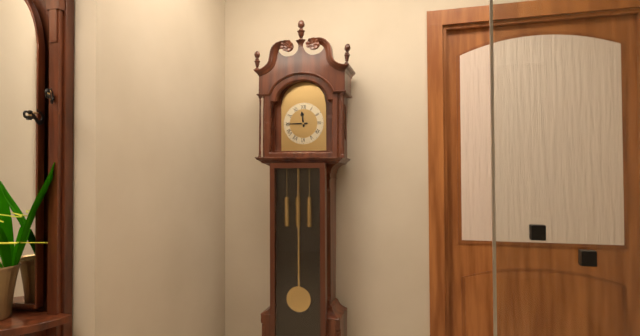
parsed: **11:45**
